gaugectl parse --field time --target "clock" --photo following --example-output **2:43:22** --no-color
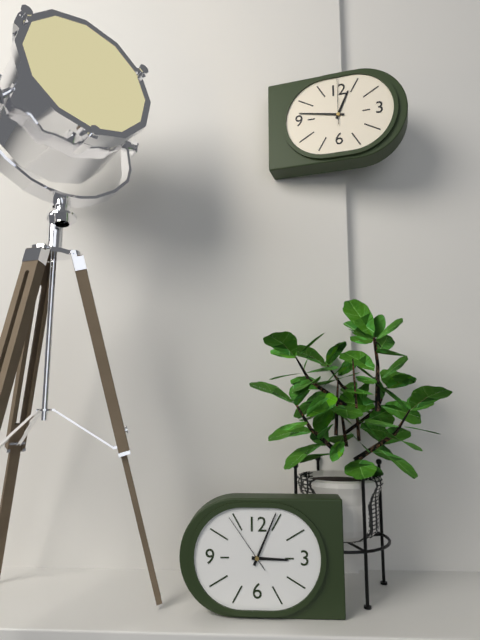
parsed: **3:04:54**
